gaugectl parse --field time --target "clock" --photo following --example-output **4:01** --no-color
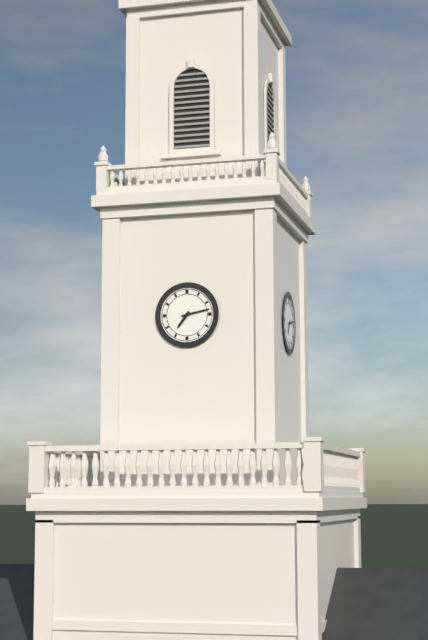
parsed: **7:13**
